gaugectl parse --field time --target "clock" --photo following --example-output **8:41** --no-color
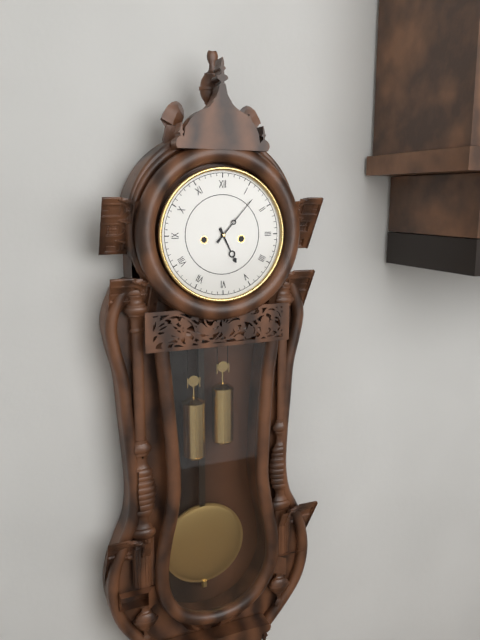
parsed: **5:07**
